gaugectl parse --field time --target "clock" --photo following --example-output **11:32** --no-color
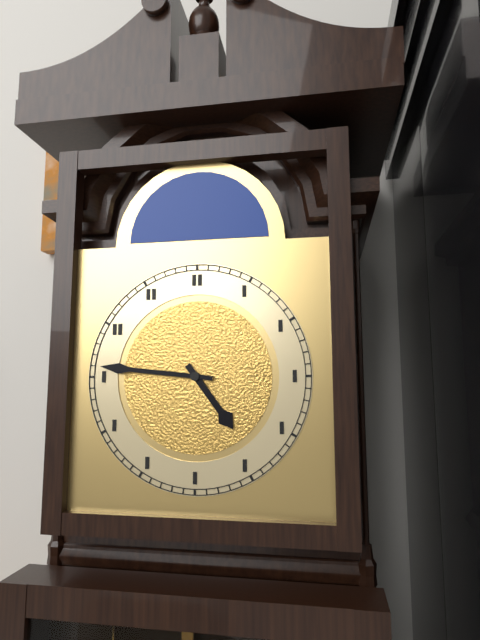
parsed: **4:46**
